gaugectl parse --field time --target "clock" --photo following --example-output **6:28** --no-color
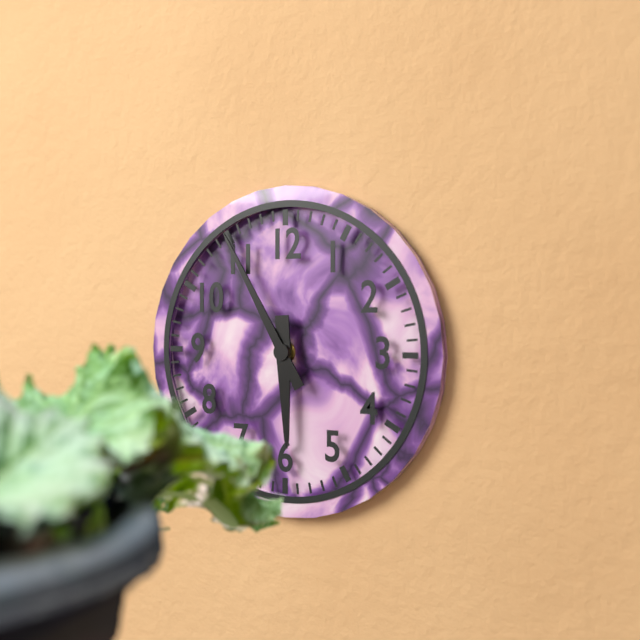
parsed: **5:55**
